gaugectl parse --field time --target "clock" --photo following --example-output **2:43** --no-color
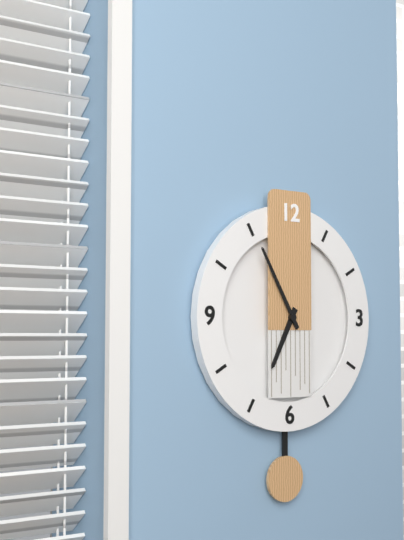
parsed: **6:55**
